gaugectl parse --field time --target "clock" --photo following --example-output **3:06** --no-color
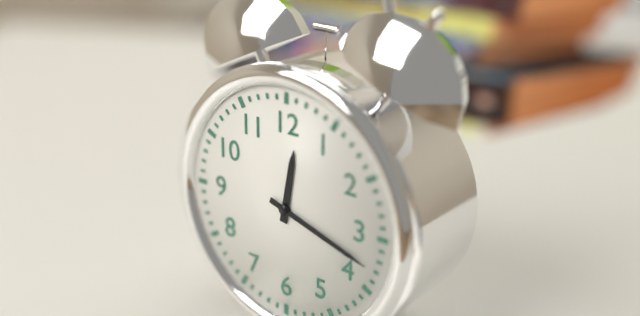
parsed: **12:18**
